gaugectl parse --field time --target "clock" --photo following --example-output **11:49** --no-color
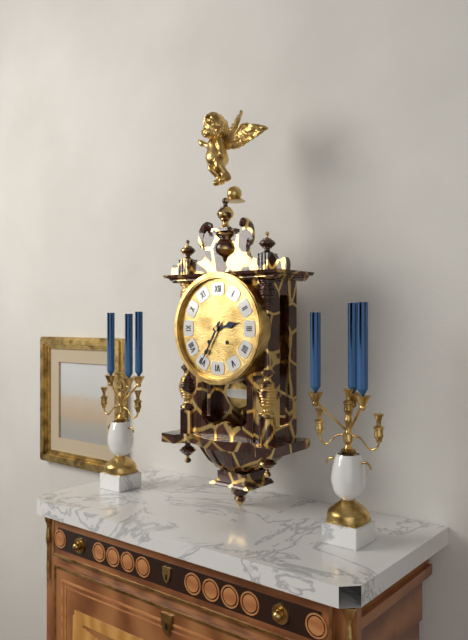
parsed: **2:35**
